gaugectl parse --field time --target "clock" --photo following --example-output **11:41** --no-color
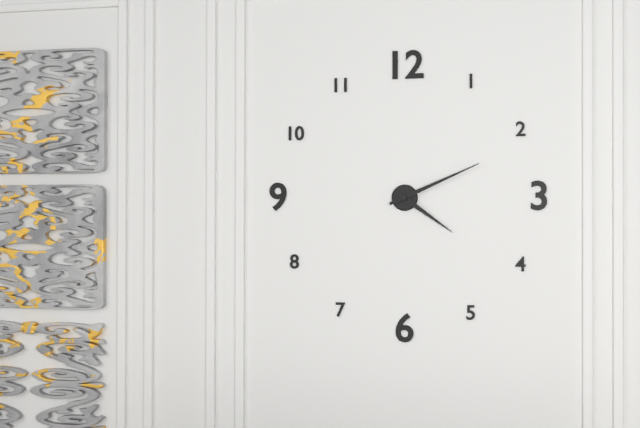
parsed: **4:11**
